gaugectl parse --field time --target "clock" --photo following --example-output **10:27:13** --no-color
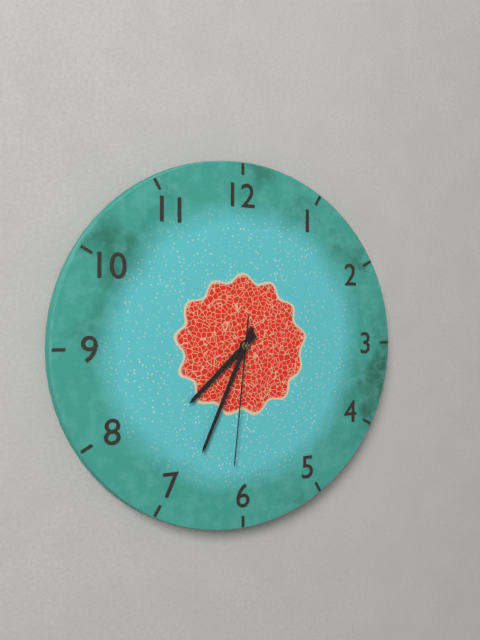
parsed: **7:34:31**
